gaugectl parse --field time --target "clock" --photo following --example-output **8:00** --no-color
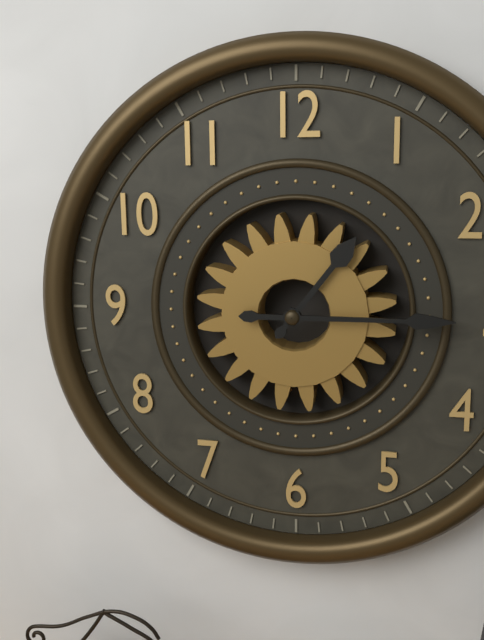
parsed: **1:15**
